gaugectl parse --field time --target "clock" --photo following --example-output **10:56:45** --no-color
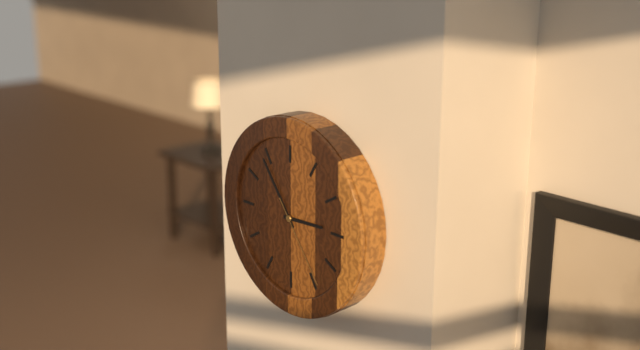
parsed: **2:54:24**
